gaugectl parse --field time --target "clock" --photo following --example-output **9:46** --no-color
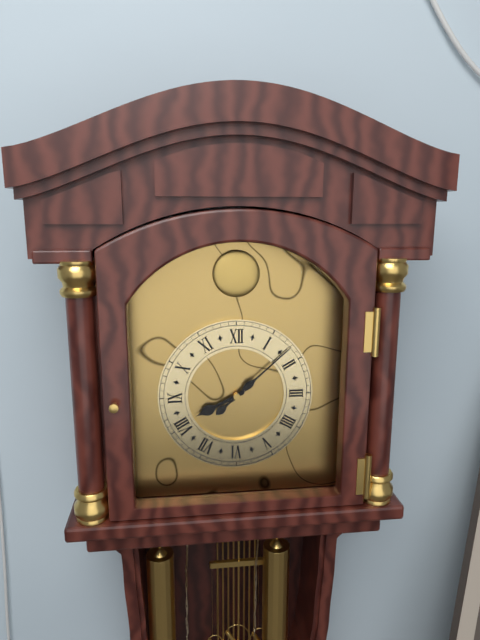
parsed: **8:08**
